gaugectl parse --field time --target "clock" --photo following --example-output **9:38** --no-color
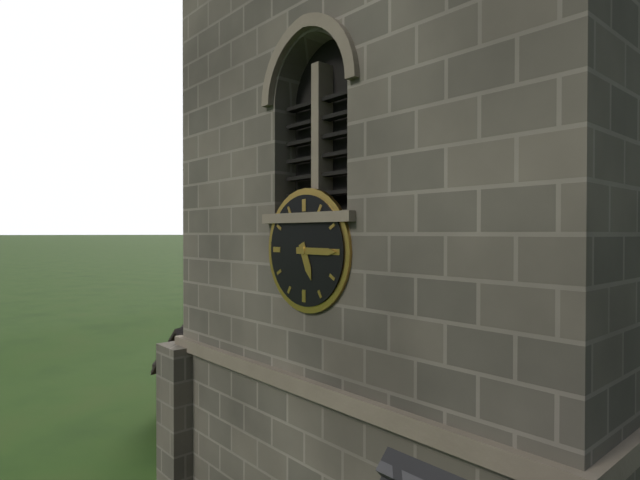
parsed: **5:15**
